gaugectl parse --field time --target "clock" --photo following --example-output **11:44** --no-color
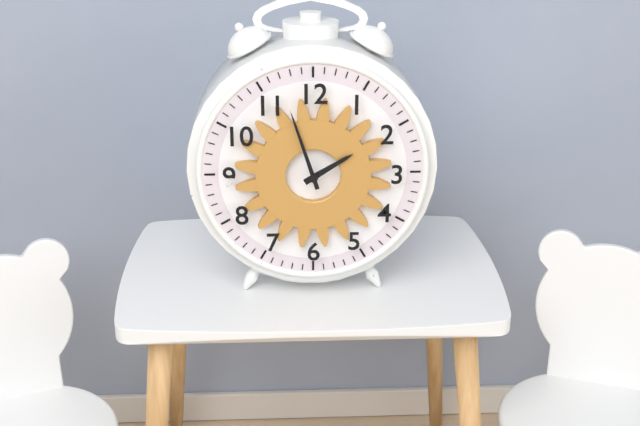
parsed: **1:57**
